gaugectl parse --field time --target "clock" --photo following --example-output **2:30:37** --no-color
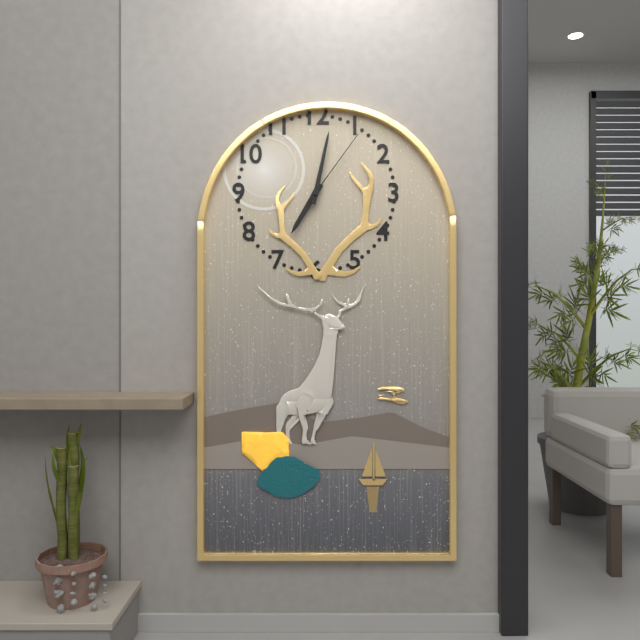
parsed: **7:02:06**
